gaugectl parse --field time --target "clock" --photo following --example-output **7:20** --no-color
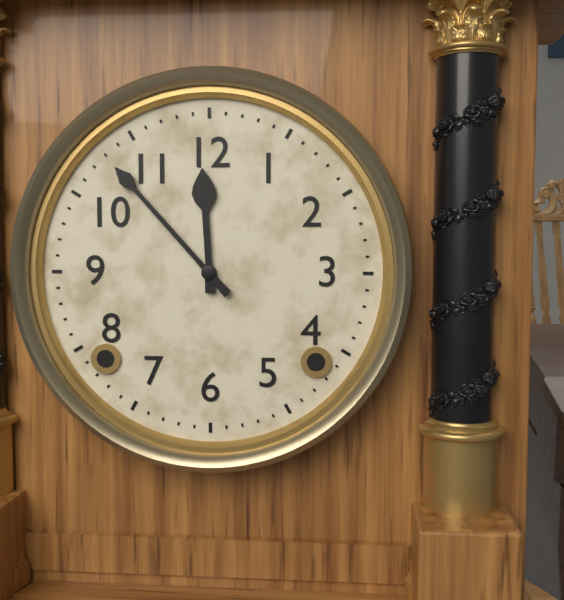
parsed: **11:53**
